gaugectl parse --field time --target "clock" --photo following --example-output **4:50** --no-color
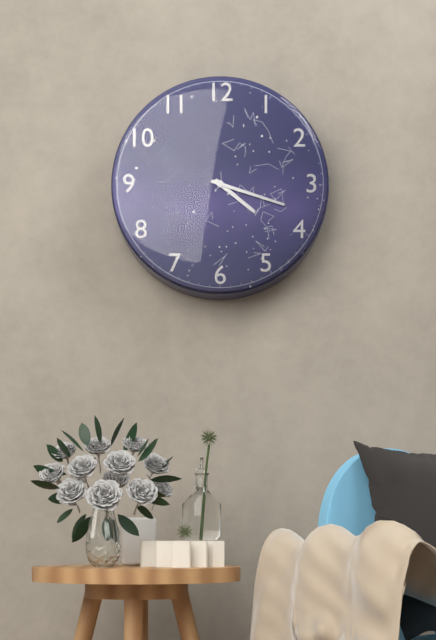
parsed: **4:18**
